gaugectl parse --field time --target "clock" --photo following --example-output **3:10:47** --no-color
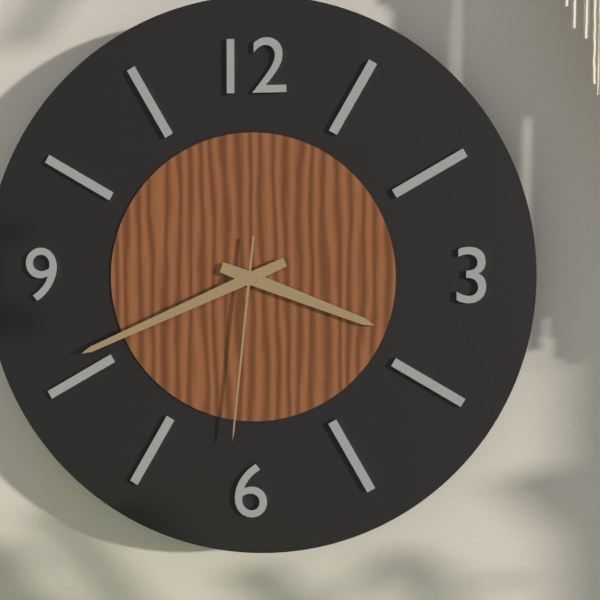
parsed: **3:41:31**
